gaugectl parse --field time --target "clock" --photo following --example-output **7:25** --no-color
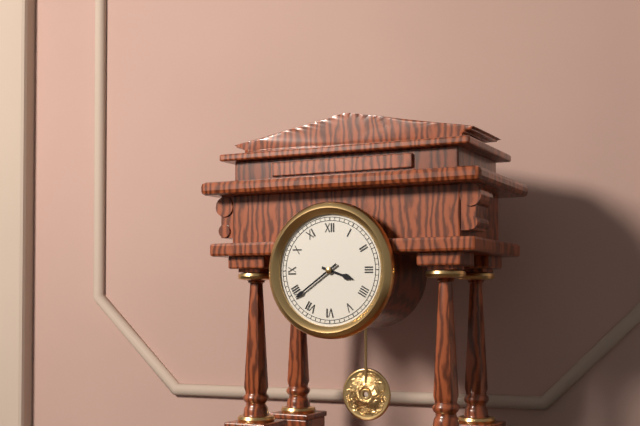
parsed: **3:39**
